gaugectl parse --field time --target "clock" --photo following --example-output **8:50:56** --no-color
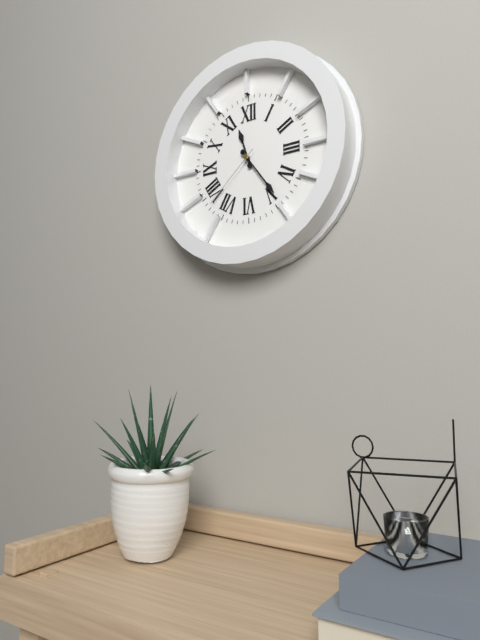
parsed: **11:24:38**
